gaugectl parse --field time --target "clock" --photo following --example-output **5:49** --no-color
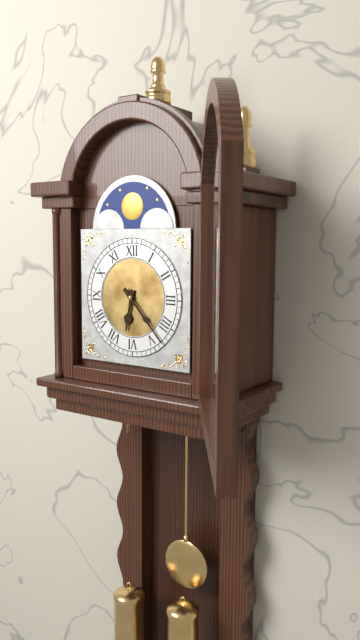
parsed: **6:23**
